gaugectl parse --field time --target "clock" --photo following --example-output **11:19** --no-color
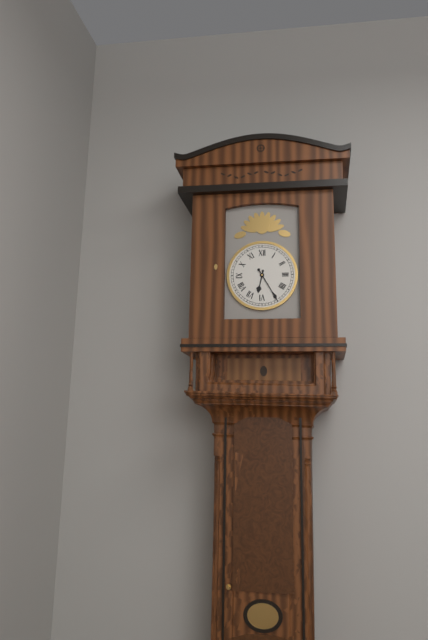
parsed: **6:25**
